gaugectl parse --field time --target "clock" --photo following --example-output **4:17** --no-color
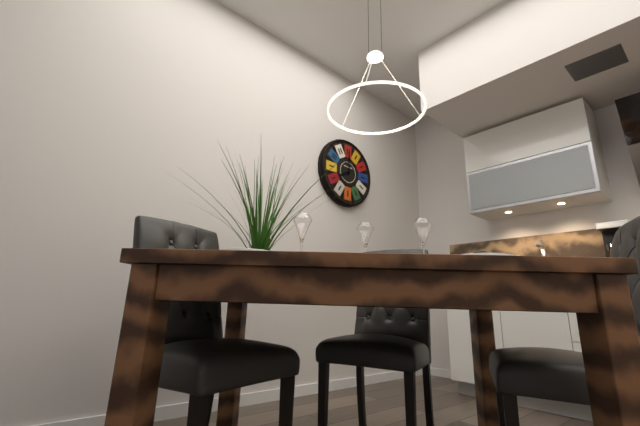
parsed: **8:00**
